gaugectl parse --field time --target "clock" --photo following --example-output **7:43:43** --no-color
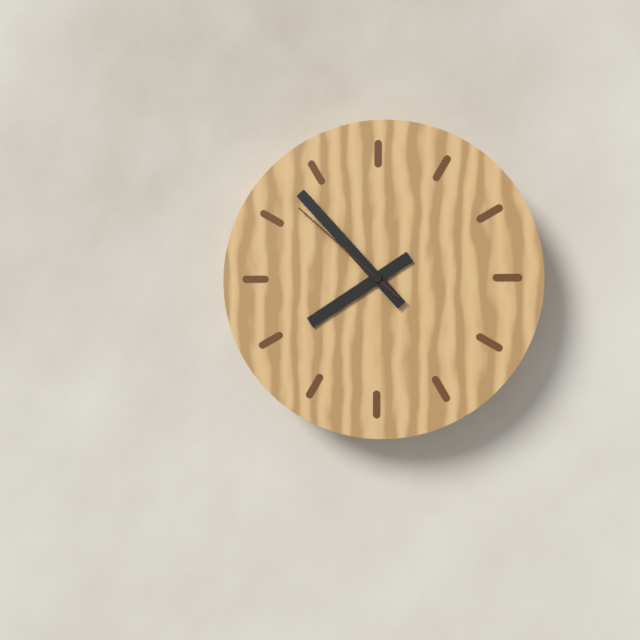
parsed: **7:53:52**
